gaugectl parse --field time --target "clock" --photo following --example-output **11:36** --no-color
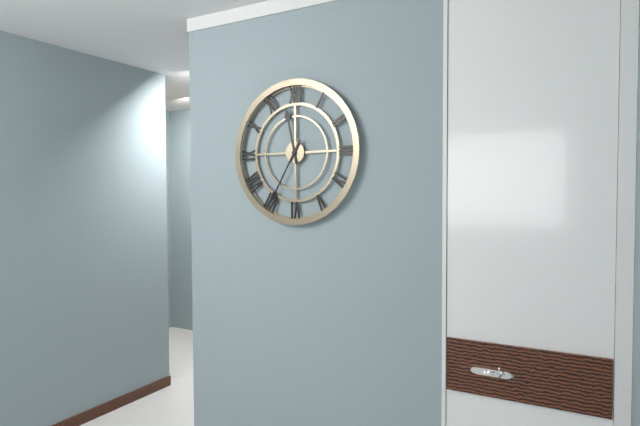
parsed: **11:35**
